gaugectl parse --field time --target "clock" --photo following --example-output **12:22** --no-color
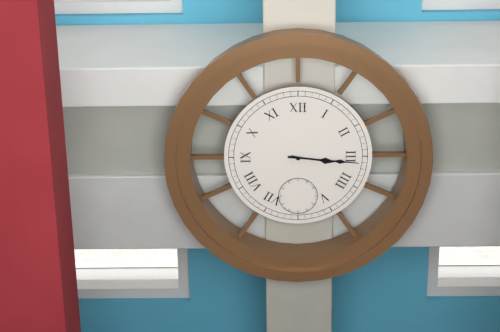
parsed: **3:16**
